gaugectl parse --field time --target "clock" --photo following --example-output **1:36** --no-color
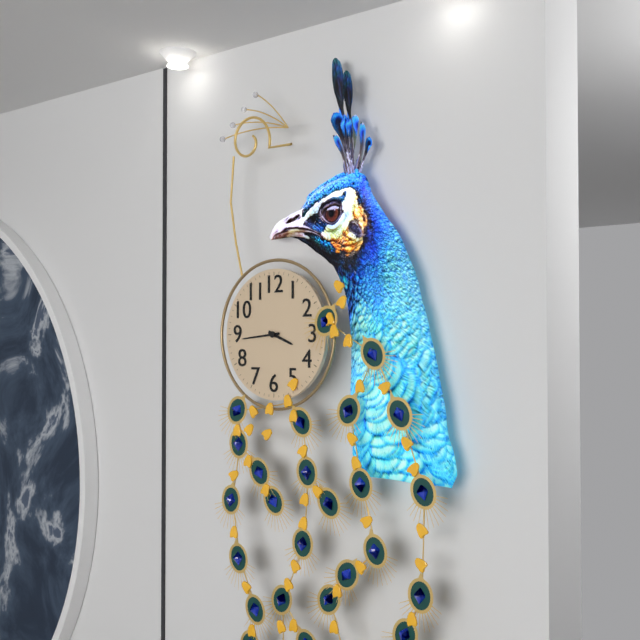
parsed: **3:44**
